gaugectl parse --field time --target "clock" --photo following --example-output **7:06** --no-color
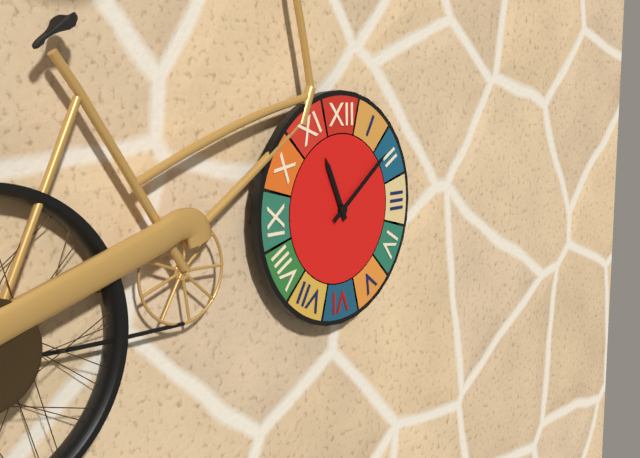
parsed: **11:09**
